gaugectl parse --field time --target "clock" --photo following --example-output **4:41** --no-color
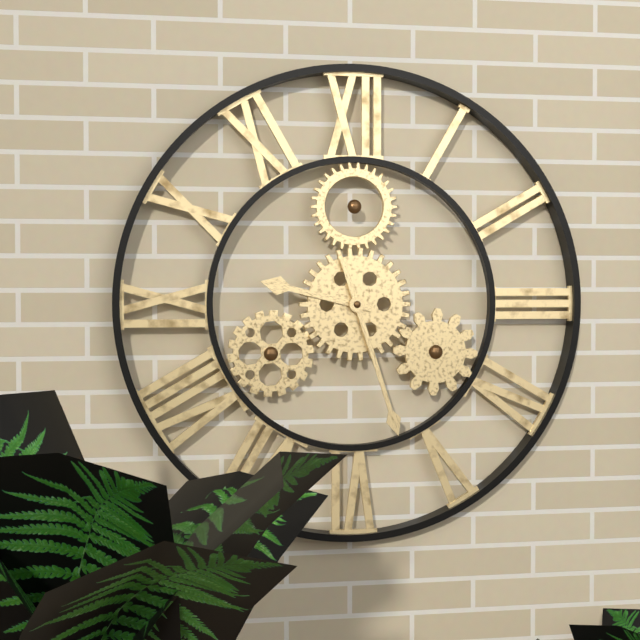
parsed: **9:27**
